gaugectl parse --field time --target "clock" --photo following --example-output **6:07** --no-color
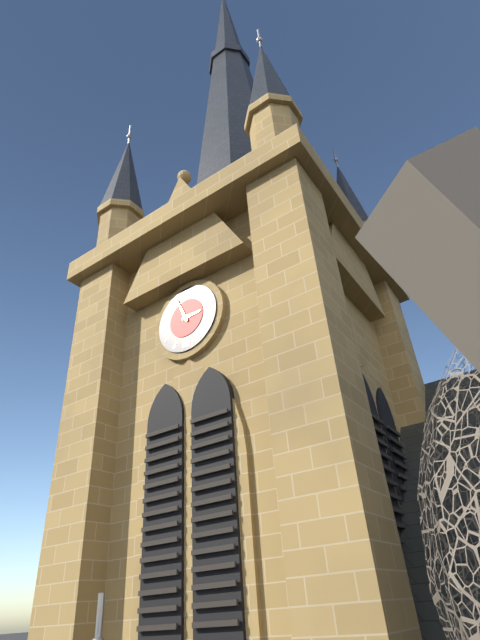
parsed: **2:56**
